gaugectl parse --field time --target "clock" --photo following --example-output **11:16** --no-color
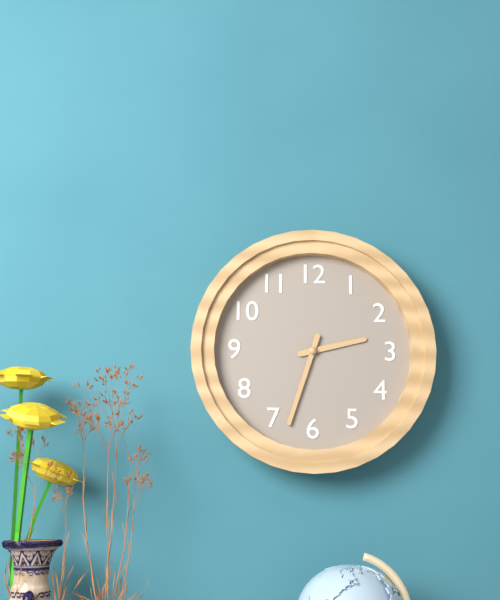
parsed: **2:33**
